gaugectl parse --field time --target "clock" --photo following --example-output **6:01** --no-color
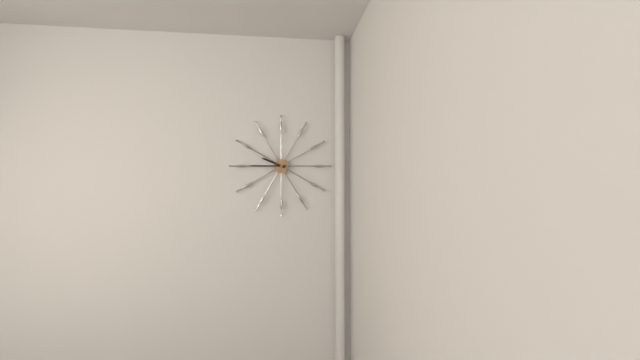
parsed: **9:45**
